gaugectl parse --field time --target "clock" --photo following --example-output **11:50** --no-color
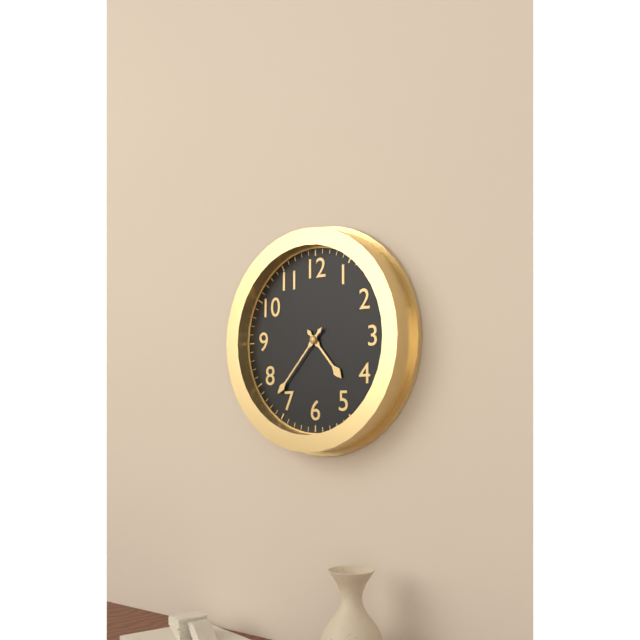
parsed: **4:37**
